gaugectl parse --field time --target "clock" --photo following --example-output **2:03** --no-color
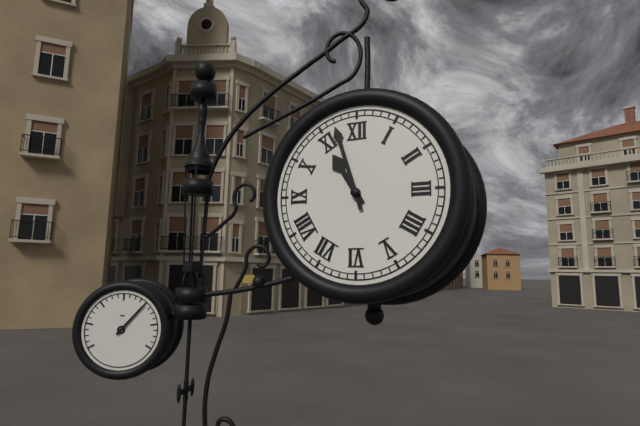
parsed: **10:57**
